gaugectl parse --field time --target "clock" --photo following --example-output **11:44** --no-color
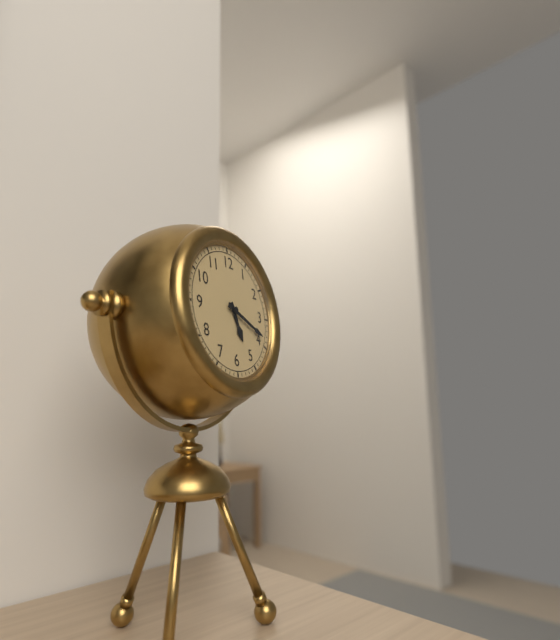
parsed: **5:19**
